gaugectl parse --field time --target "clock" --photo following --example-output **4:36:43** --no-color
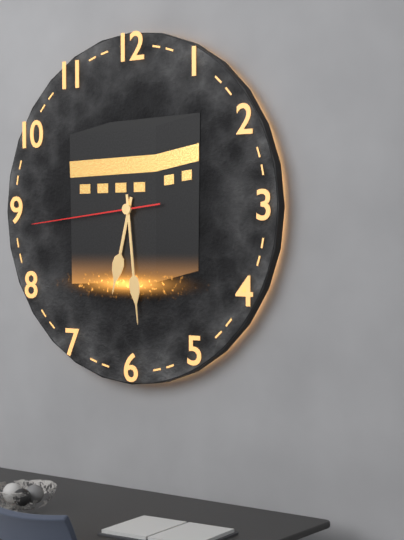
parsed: **6:29:44**
